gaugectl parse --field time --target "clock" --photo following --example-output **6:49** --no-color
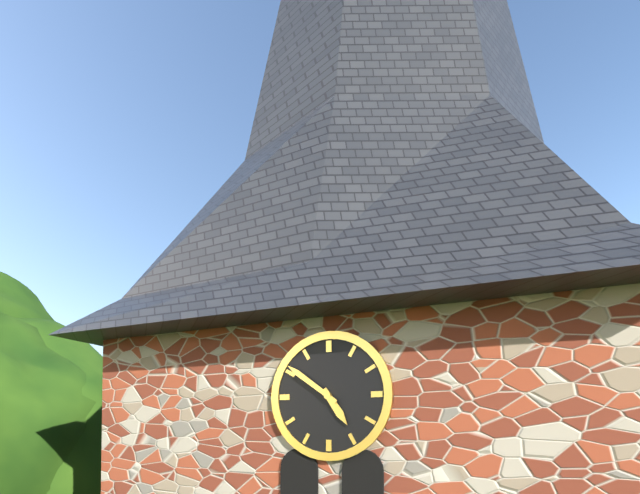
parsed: **4:51**
